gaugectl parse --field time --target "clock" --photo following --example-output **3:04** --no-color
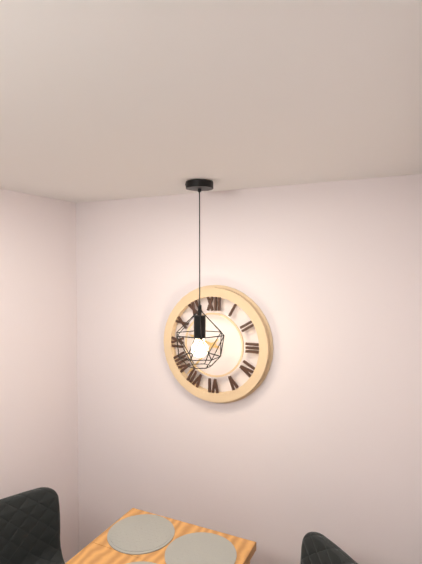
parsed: **9:37**
